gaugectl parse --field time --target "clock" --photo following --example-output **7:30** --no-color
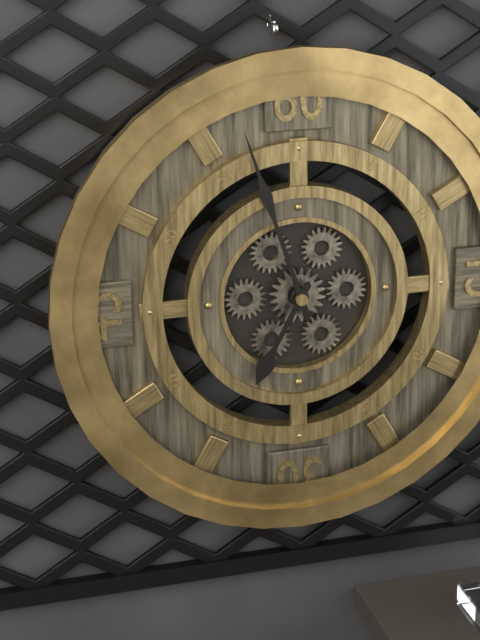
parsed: **6:57**
